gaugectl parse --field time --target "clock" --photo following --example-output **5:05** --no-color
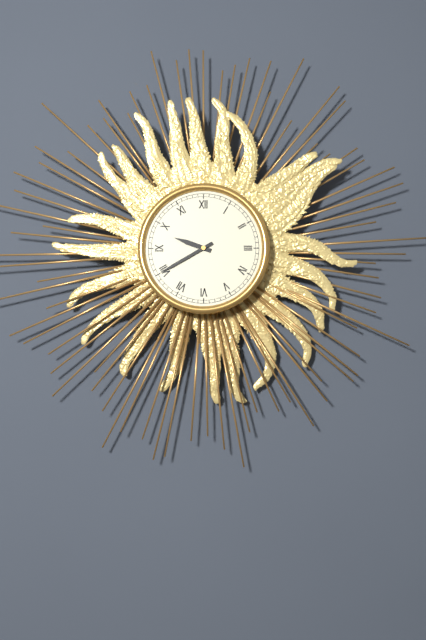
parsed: **9:40**
